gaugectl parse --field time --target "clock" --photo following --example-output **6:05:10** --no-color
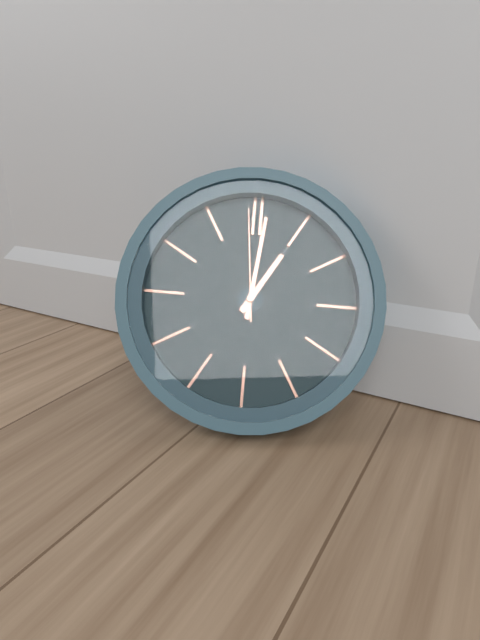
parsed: **1:01:59**
